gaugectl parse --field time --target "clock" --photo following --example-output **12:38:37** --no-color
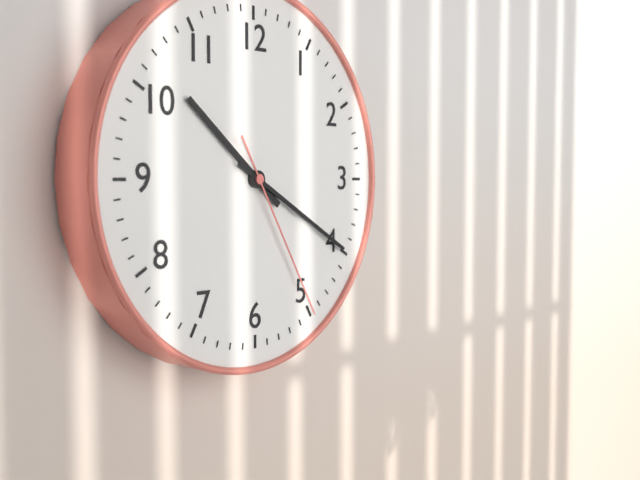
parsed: **10:20:25**
